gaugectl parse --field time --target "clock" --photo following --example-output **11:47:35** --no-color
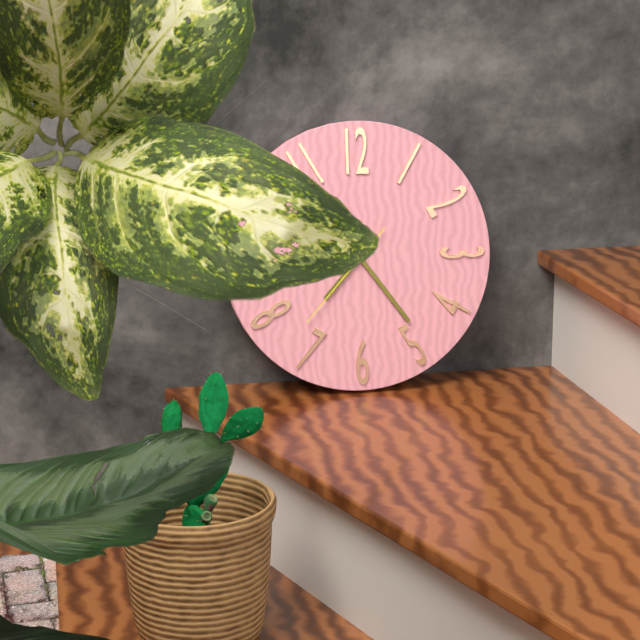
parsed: **7:24:37**
